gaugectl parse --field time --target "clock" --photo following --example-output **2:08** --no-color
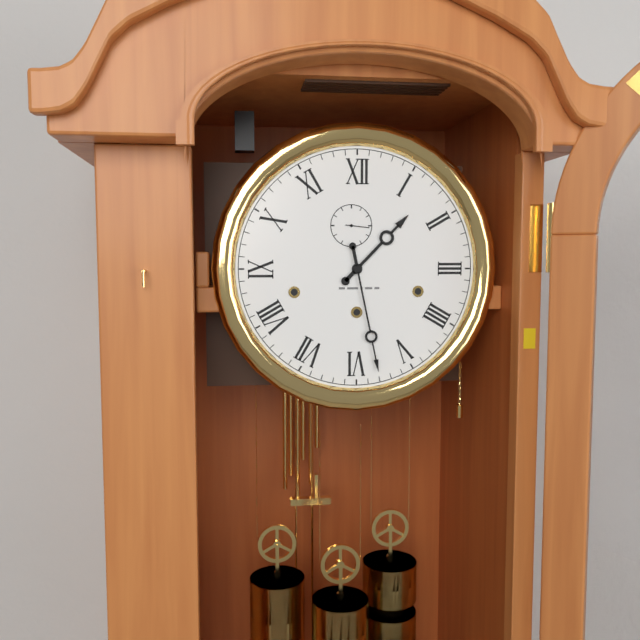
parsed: **1:28**
